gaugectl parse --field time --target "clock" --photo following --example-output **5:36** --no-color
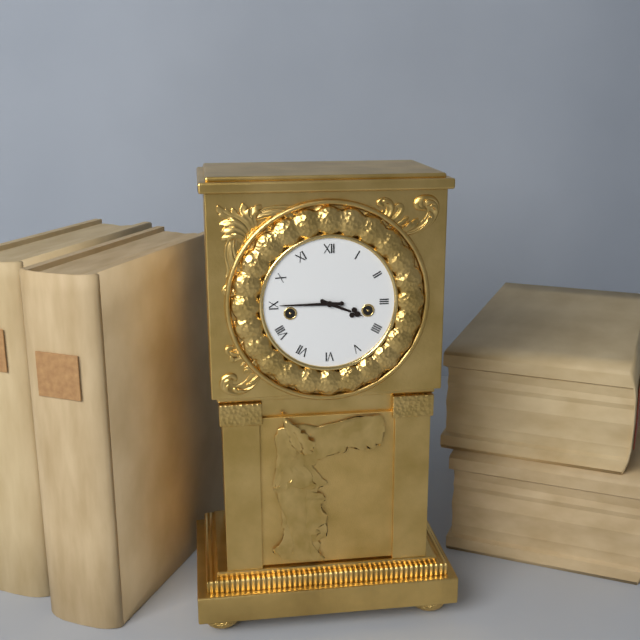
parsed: **3:45**
